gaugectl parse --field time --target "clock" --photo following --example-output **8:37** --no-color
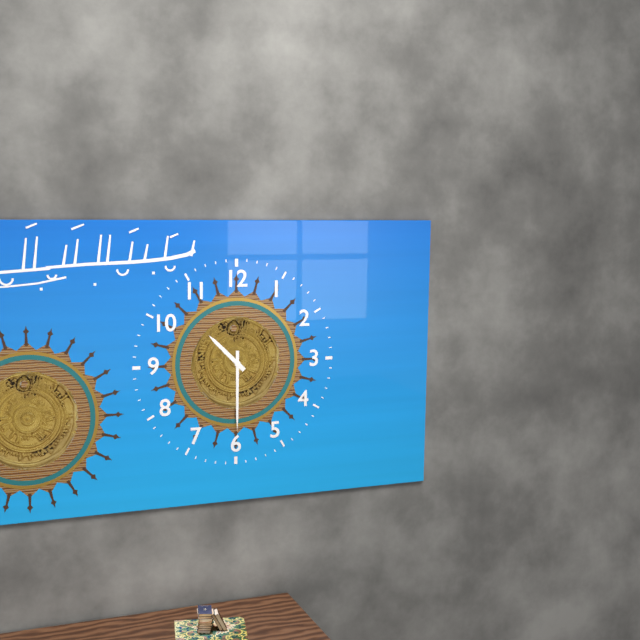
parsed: **10:30**
